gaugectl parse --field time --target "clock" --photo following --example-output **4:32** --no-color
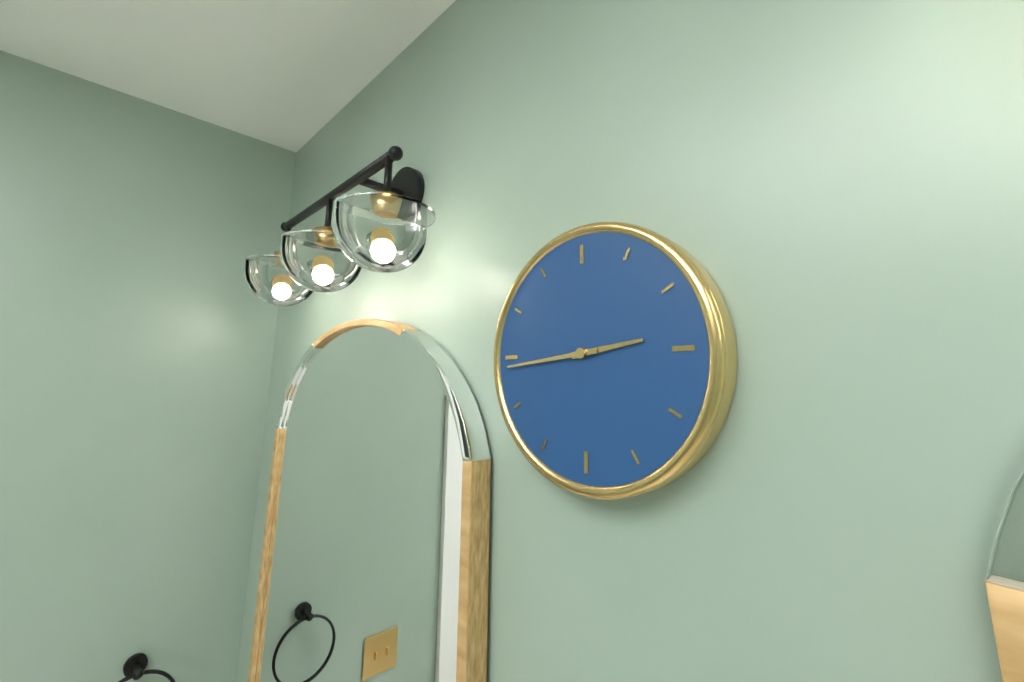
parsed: **2:44**
